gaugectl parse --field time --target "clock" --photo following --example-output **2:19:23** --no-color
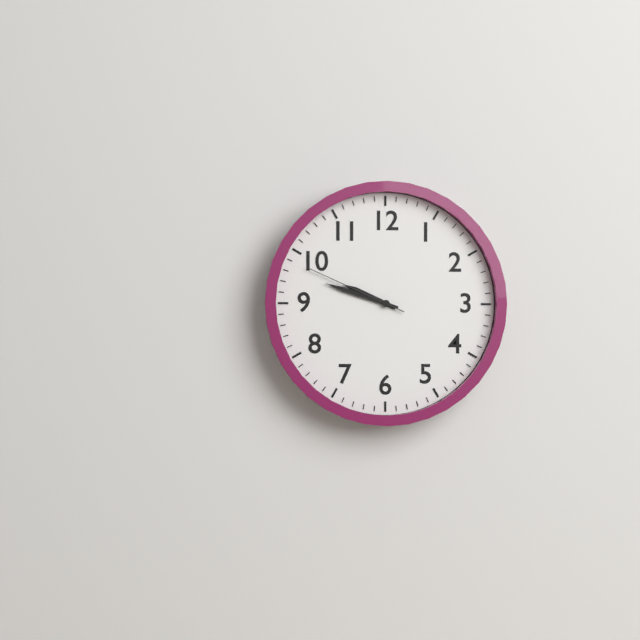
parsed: **9:48:49**
